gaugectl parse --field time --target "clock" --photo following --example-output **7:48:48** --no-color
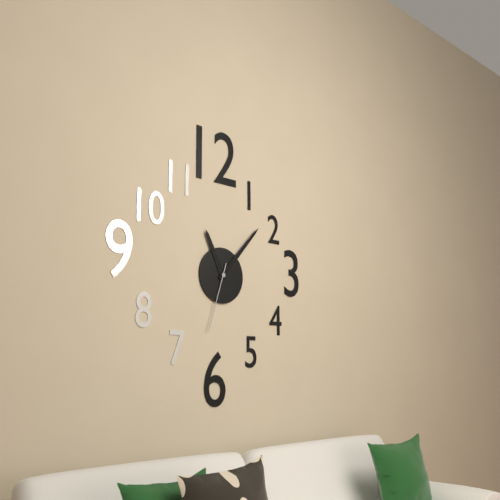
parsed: **11:07:33**
